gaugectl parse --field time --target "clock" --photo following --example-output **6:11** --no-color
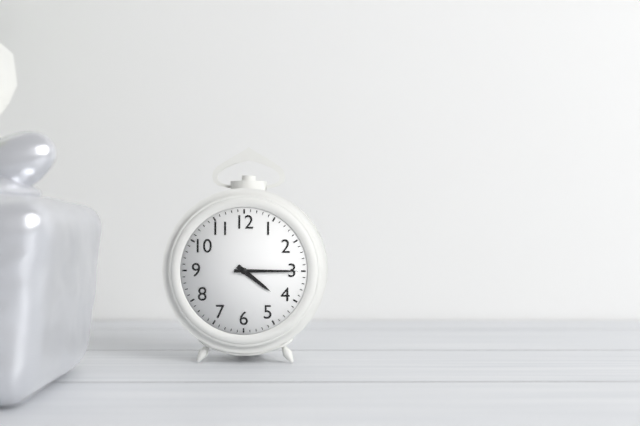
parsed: **4:15**
